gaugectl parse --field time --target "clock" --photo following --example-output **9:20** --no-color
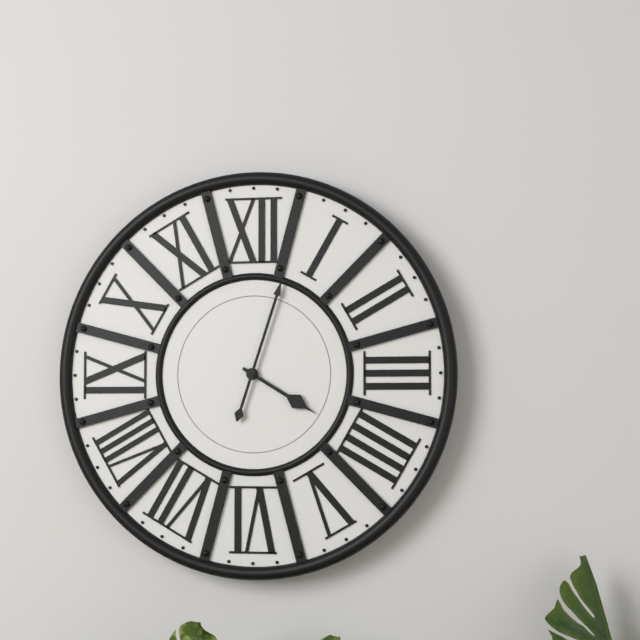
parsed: **4:03**
